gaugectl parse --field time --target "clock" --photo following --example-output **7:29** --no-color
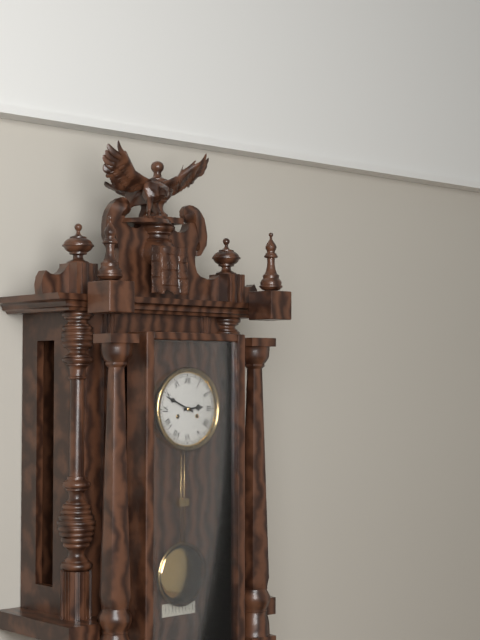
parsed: **2:49**
